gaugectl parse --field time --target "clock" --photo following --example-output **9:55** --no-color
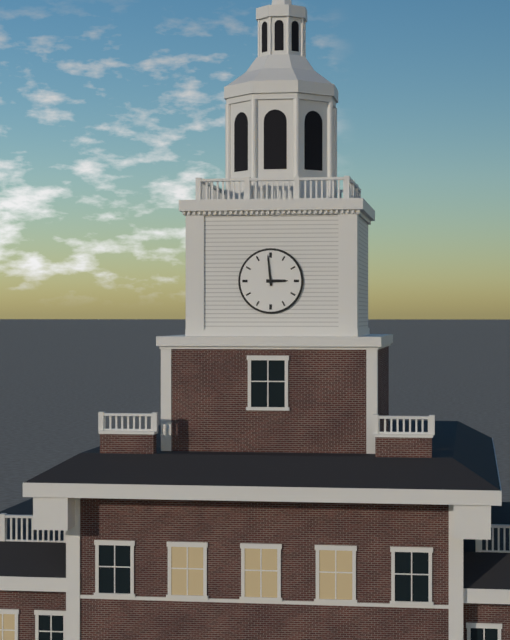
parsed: **2:59**
